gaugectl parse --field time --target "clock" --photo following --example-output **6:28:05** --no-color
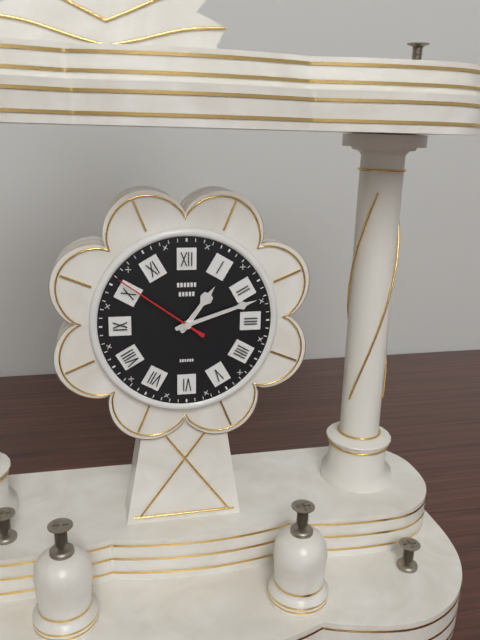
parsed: **1:12:51**
